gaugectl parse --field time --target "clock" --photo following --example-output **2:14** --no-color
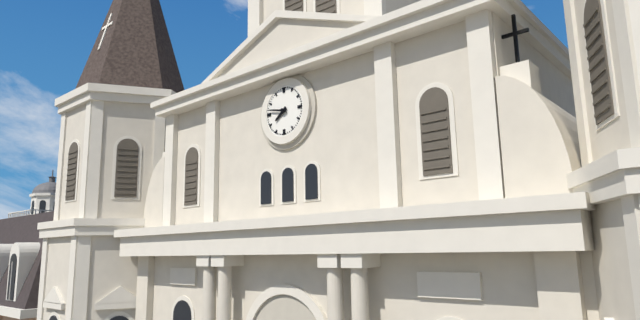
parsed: **7:47**
